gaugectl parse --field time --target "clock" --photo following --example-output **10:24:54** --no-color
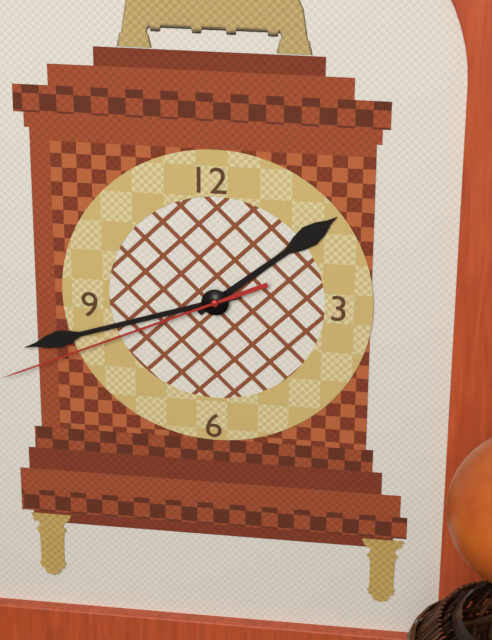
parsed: **1:42:41**
